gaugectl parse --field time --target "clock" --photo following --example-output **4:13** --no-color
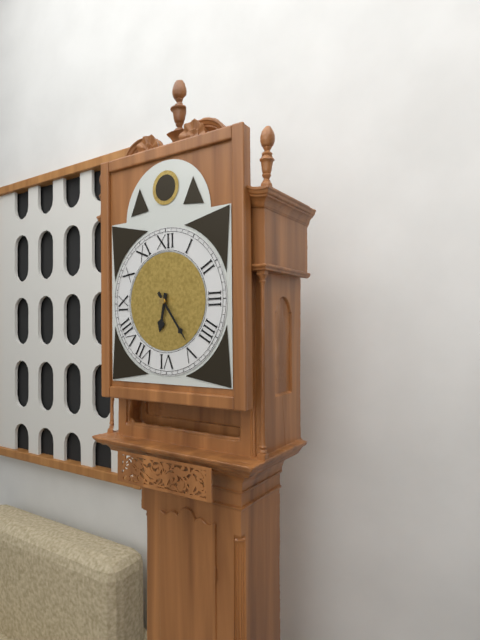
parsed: **6:24**
